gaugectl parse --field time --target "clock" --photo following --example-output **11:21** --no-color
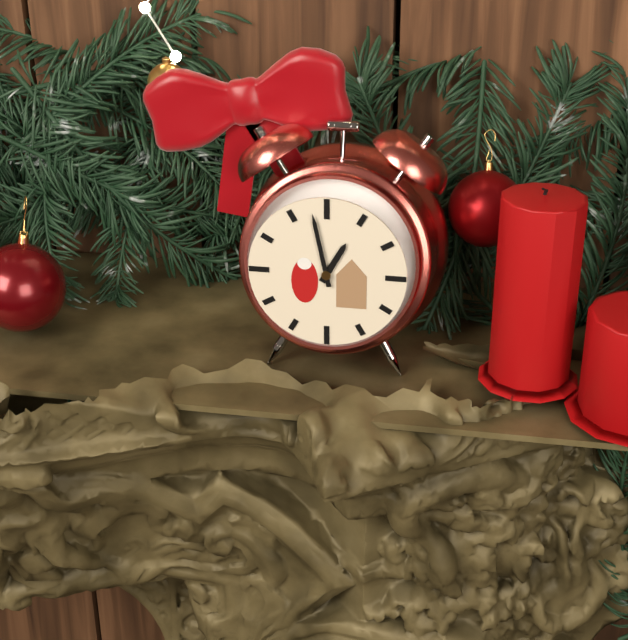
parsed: **12:58**
